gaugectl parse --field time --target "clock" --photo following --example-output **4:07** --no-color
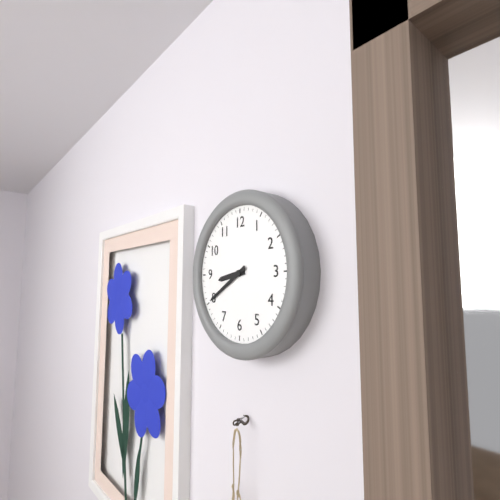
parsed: **8:40**
